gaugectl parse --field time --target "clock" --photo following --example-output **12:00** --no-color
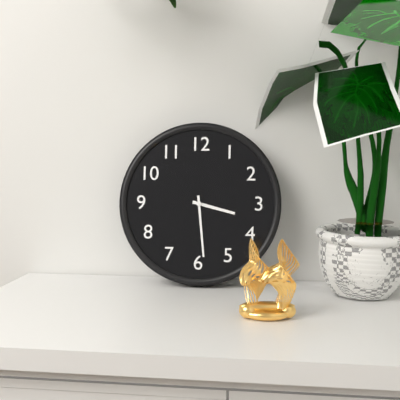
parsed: **3:29**
